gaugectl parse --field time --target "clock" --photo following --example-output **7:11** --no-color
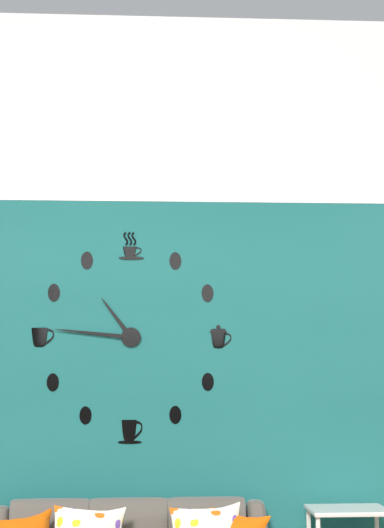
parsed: **10:46**
